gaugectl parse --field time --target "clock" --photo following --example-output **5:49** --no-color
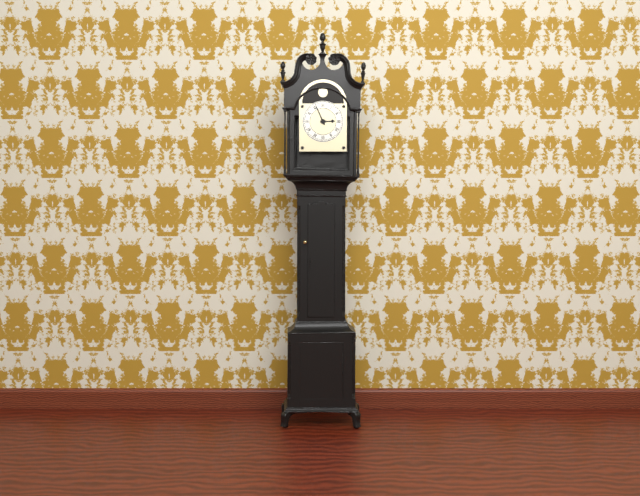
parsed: **2:56**
